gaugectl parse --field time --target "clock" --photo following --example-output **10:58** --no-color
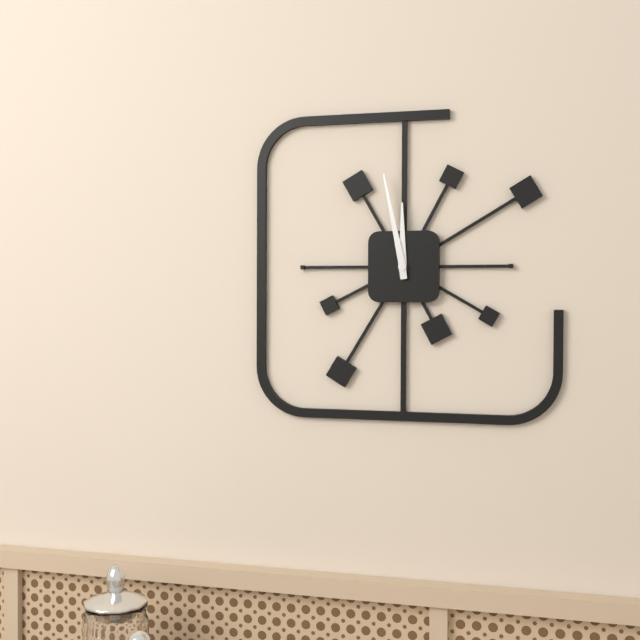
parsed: **11:58**
